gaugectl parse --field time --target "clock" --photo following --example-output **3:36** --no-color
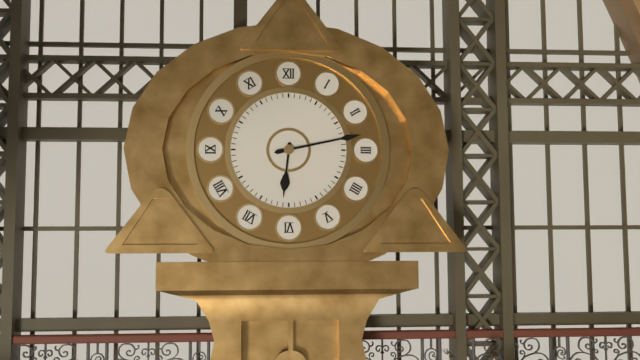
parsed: **6:13**
